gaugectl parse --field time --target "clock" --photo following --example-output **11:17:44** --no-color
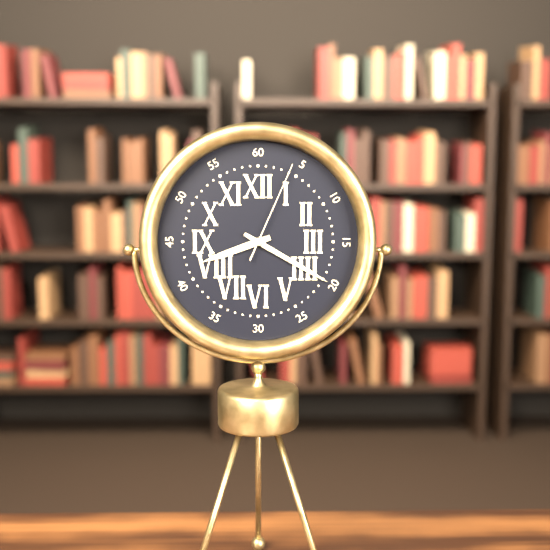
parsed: **8:20:04**
